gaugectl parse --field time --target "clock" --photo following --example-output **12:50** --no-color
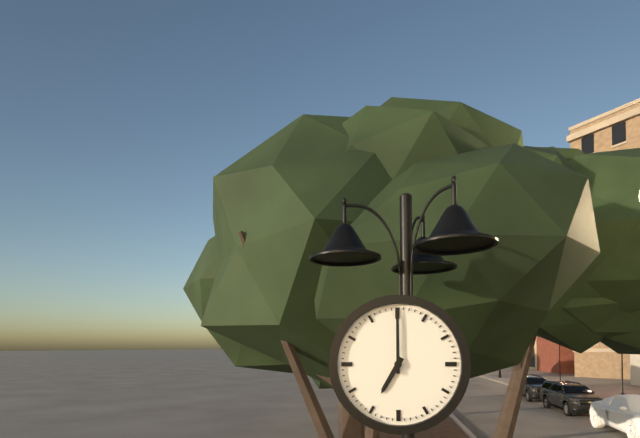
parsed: **7:00**
